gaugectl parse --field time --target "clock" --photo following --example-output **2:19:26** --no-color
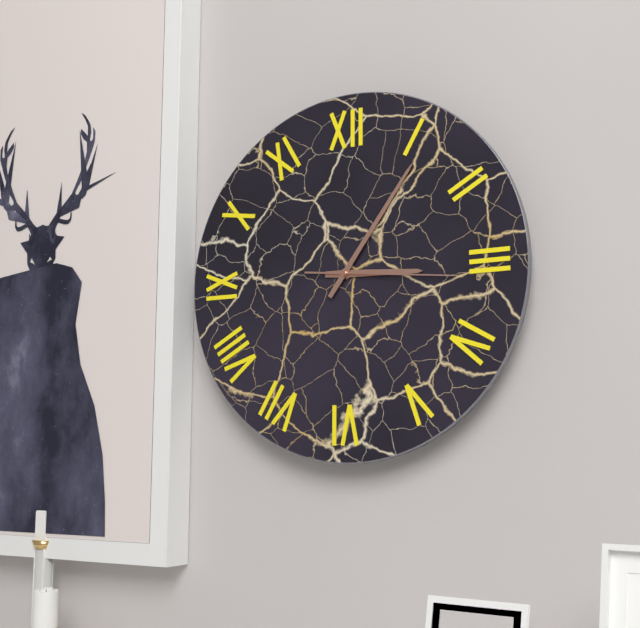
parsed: **3:06:16**
